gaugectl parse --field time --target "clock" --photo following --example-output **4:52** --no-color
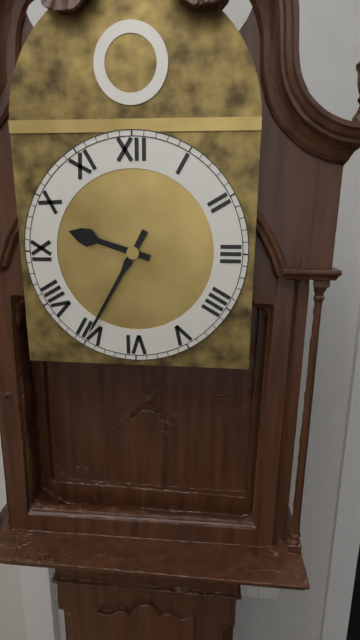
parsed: **9:35**
